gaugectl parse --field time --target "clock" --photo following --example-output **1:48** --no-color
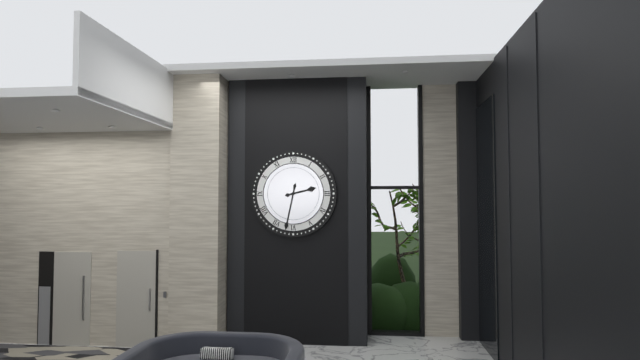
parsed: **2:32**
